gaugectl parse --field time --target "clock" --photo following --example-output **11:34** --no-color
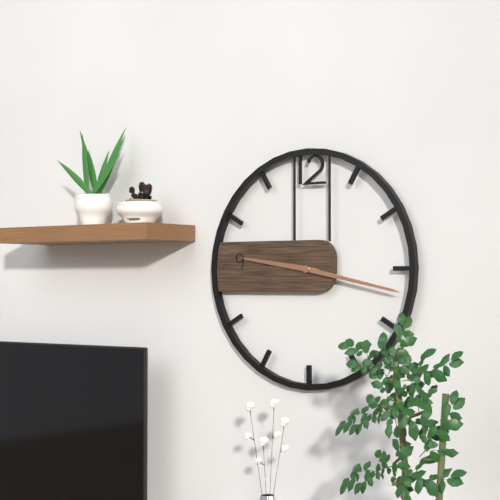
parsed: **9:17**
